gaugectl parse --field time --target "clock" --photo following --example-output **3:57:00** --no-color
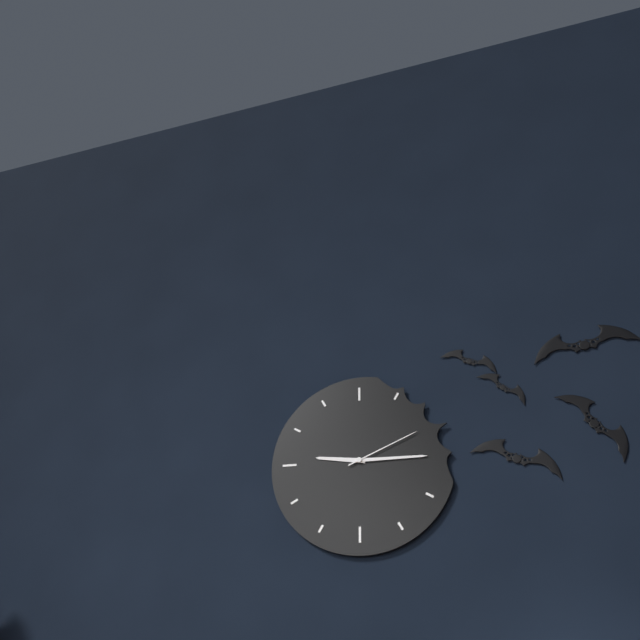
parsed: **9:15:11**
